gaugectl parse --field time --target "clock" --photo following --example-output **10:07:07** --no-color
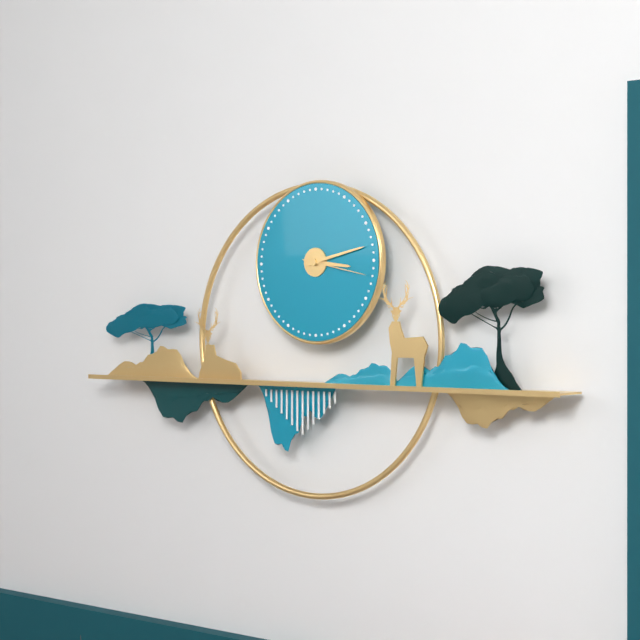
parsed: **3:13:17**
